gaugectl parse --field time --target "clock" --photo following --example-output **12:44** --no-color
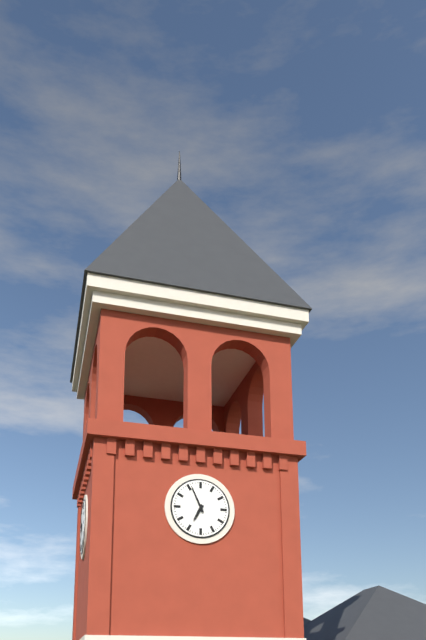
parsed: **6:56**
